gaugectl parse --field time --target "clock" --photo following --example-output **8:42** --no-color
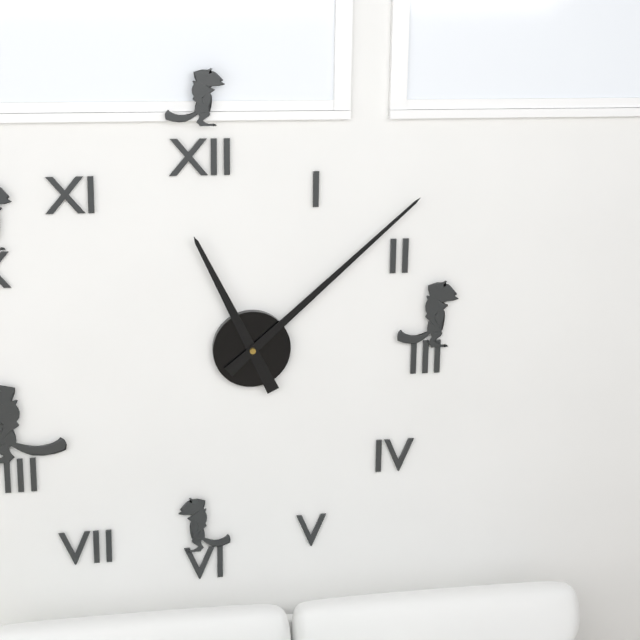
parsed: **11:08**
